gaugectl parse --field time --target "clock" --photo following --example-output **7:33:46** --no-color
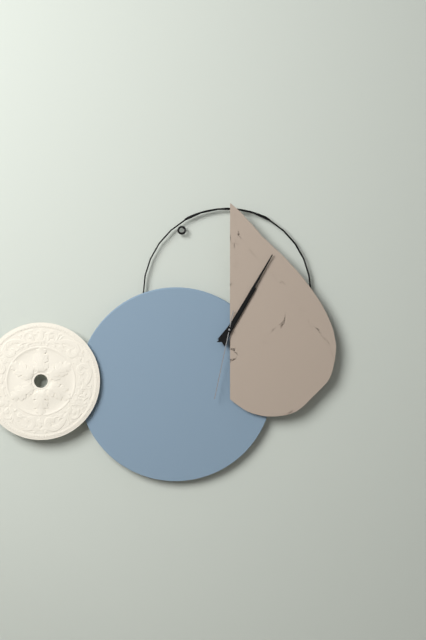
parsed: **1:05:32**
